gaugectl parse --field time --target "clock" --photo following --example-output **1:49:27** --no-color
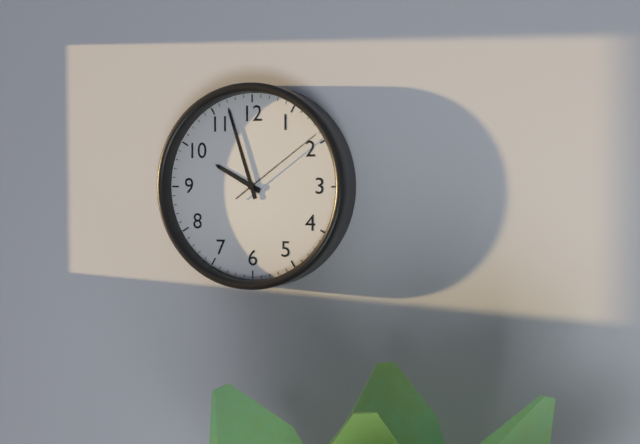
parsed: **9:57:09**
